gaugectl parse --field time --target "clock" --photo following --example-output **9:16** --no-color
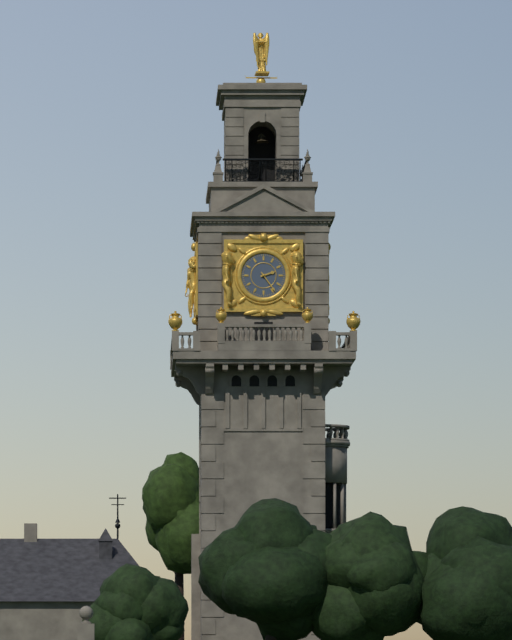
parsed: **2:24**
